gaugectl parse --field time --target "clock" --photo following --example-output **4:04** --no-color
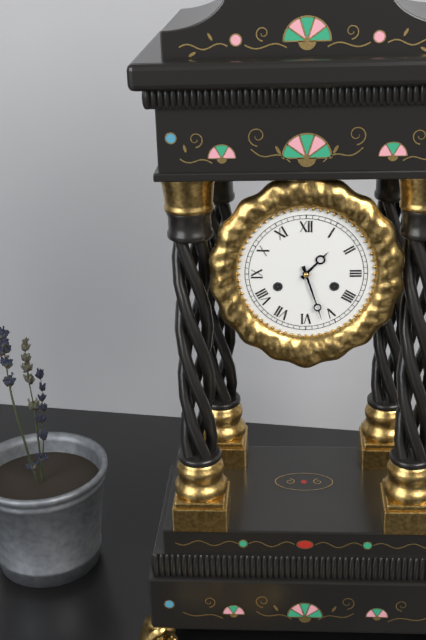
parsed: **1:27**
